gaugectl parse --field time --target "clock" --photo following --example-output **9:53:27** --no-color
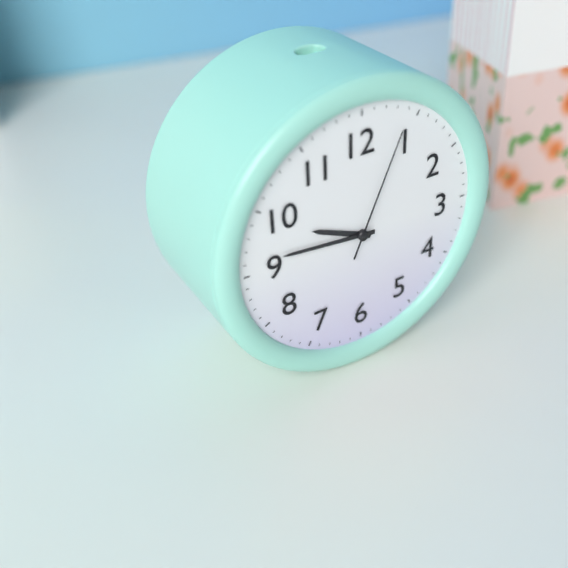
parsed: **9:46:04**
